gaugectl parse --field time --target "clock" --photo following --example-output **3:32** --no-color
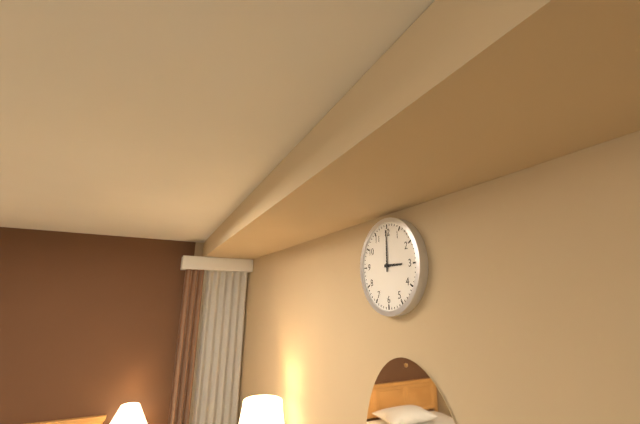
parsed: **3:00**
